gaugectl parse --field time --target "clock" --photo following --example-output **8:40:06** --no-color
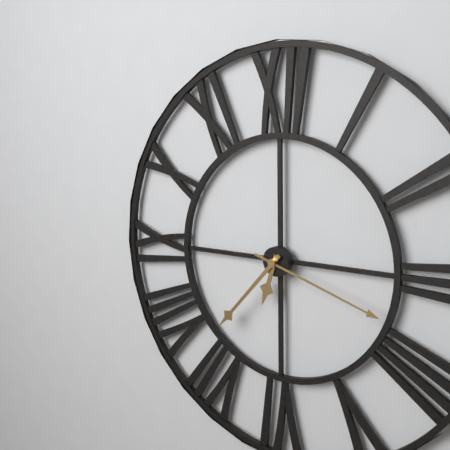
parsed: **6:37:18**
